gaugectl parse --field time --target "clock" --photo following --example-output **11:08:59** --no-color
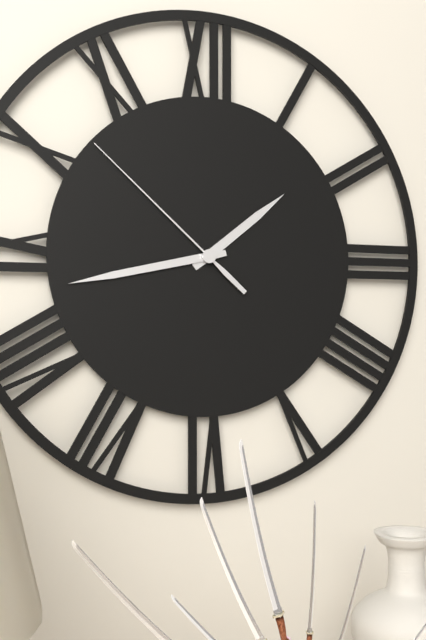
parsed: **1:43:52**
